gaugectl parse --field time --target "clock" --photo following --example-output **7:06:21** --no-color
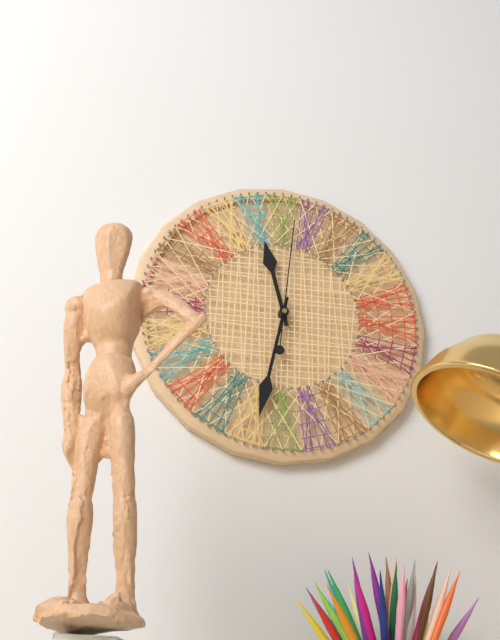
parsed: **11:32:01**
